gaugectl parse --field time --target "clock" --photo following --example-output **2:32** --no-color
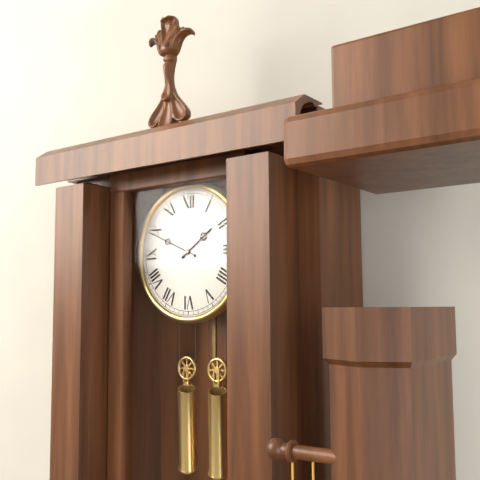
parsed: **1:49**
